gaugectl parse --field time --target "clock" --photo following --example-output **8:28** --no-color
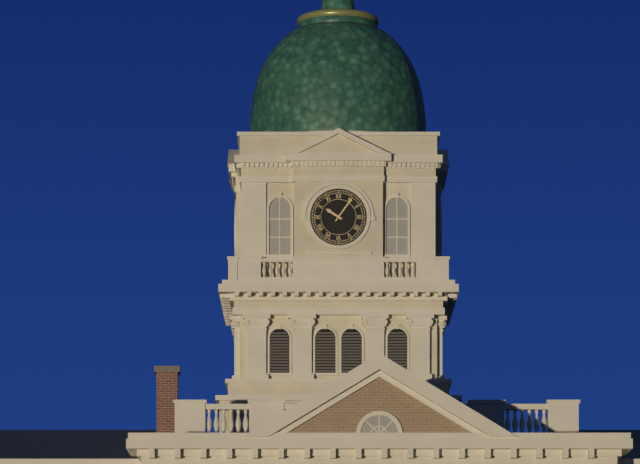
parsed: **10:06**
